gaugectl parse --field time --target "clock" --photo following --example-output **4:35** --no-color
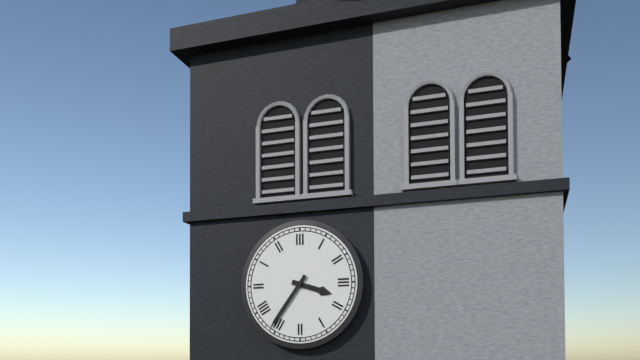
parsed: **3:36**
